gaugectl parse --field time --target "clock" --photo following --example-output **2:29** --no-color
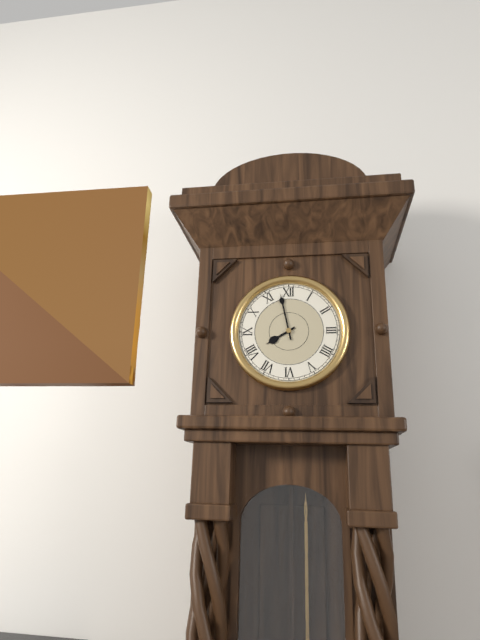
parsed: **7:58**
